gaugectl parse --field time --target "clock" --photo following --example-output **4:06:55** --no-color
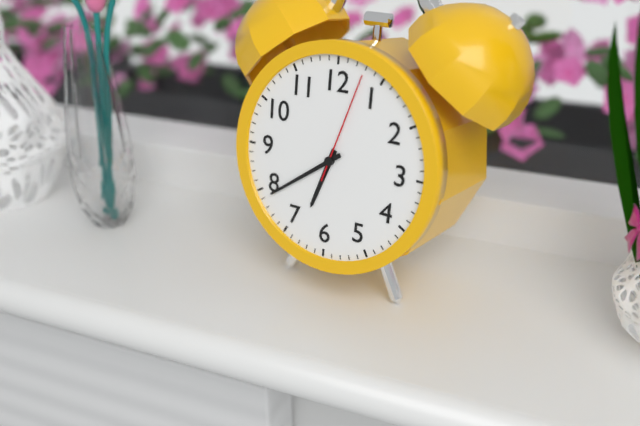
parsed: **6:39:03**
